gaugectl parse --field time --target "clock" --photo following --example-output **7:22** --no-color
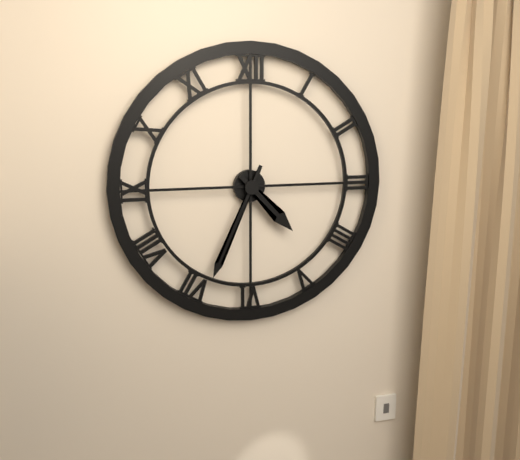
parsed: **4:34**
